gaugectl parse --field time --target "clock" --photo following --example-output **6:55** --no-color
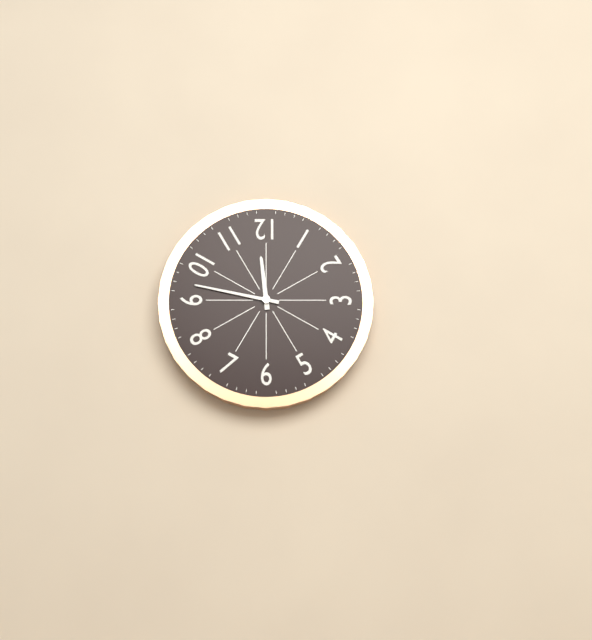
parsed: **11:47**
